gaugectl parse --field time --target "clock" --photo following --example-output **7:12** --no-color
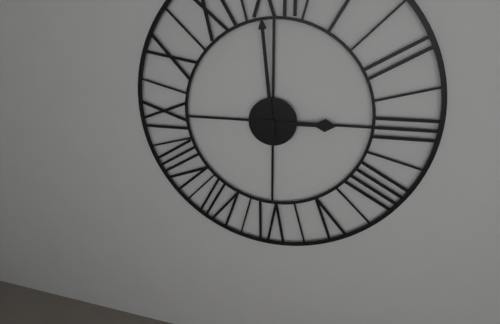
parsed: **2:59**
